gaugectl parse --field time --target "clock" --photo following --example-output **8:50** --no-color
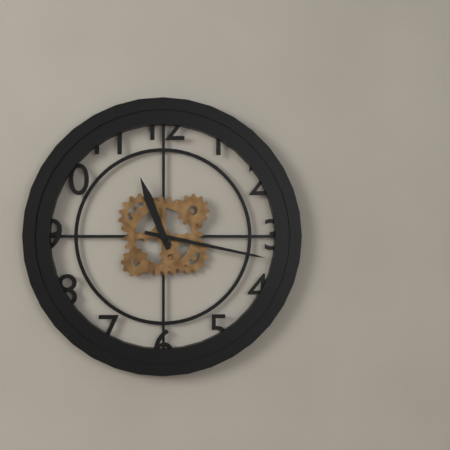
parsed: **11:17**
